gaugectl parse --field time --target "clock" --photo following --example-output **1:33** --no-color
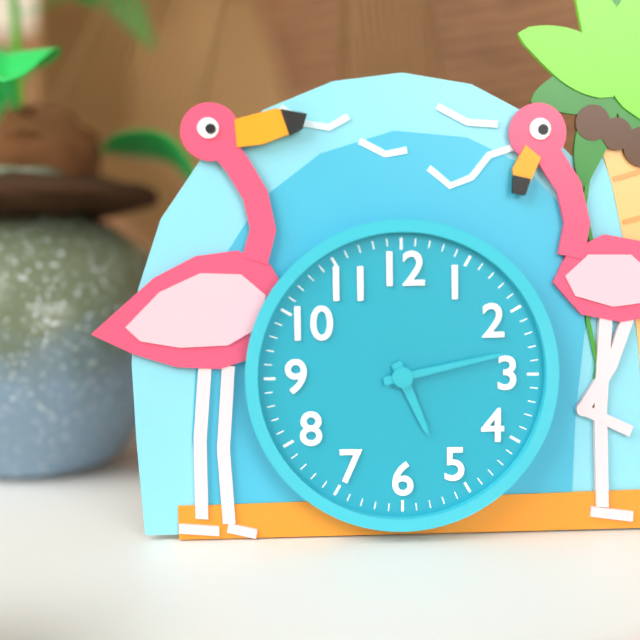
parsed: **5:13**
